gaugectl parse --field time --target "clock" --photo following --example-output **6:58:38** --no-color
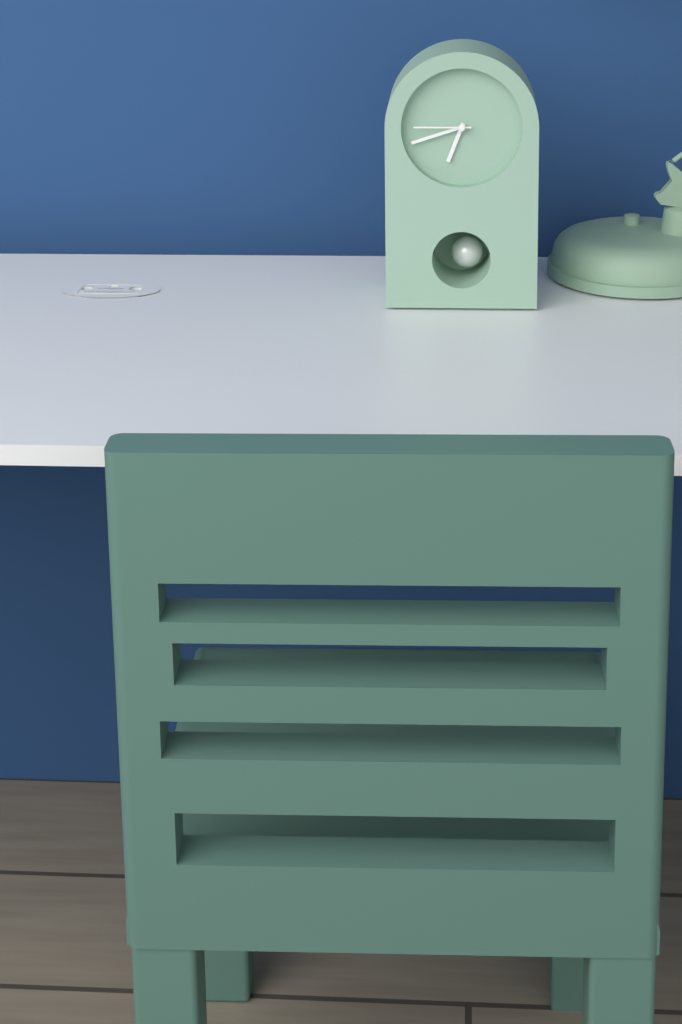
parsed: **6:42:45**
